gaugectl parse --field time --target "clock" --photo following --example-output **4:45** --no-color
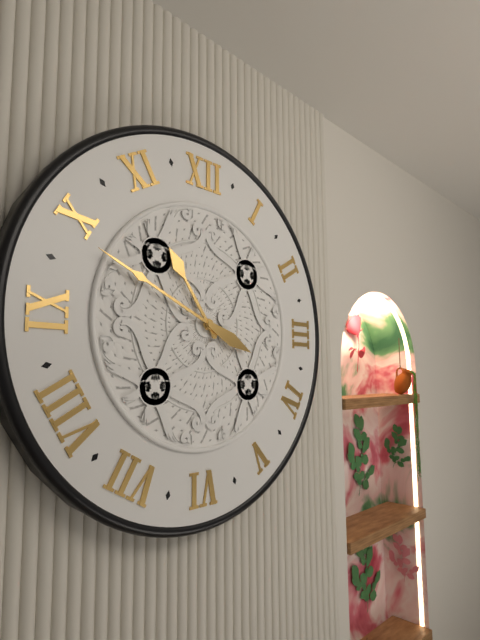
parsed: **10:49**
